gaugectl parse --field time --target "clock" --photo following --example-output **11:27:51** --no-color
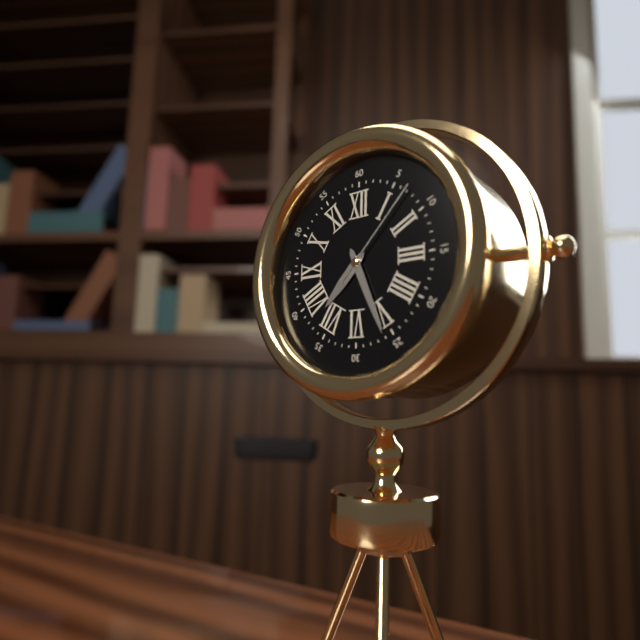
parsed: **7:26:07**
